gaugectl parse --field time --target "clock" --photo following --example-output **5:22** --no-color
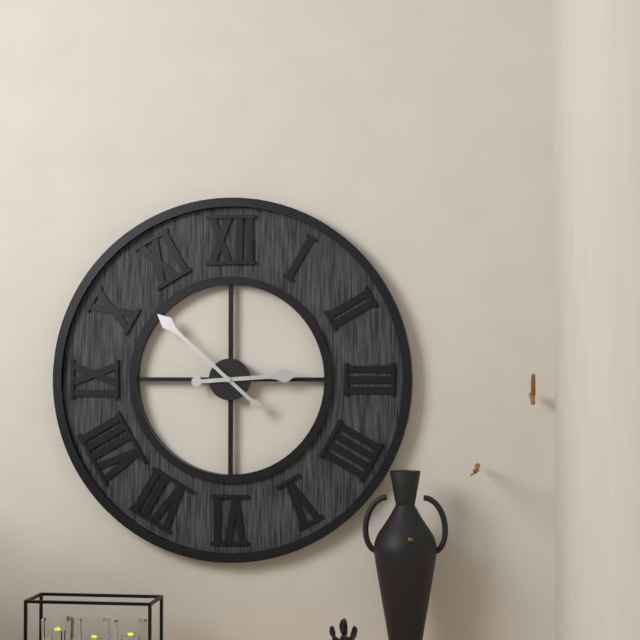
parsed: **2:52**
